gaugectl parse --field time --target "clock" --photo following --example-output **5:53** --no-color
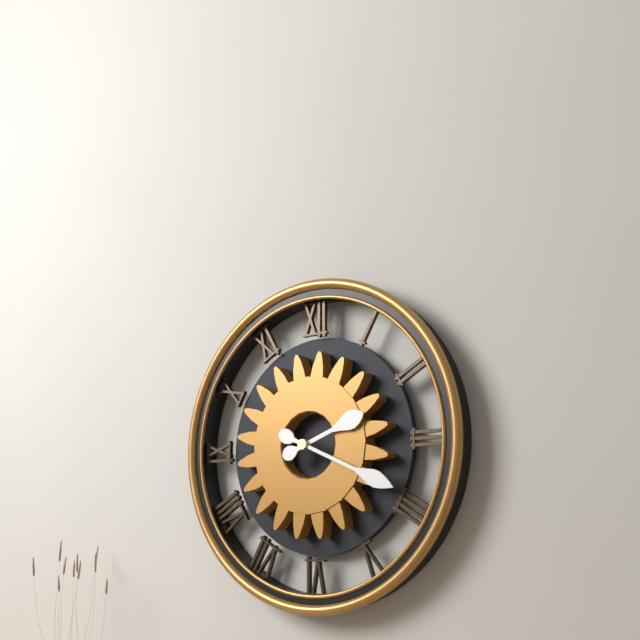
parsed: **2:19**
